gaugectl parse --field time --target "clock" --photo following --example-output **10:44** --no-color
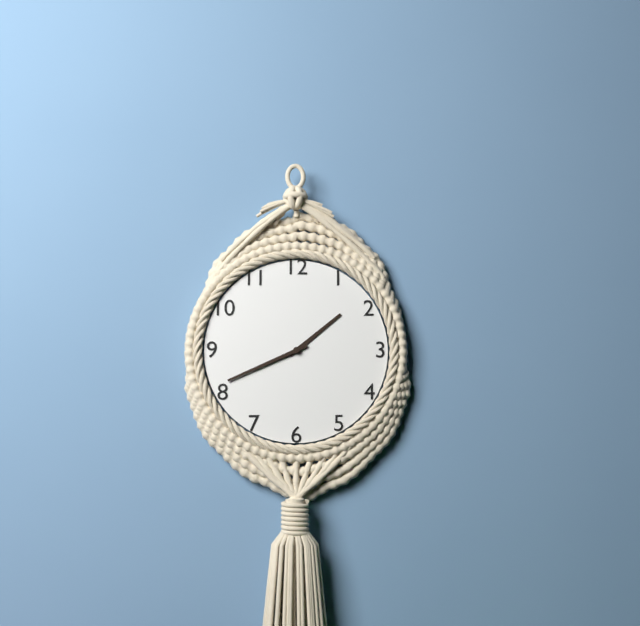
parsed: **1:41**
